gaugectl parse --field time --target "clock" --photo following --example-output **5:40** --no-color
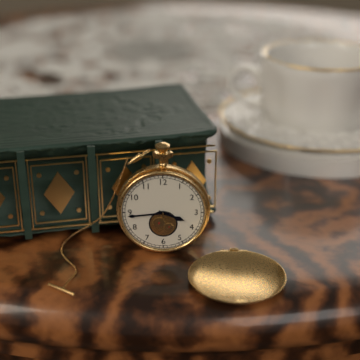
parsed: **3:44**
